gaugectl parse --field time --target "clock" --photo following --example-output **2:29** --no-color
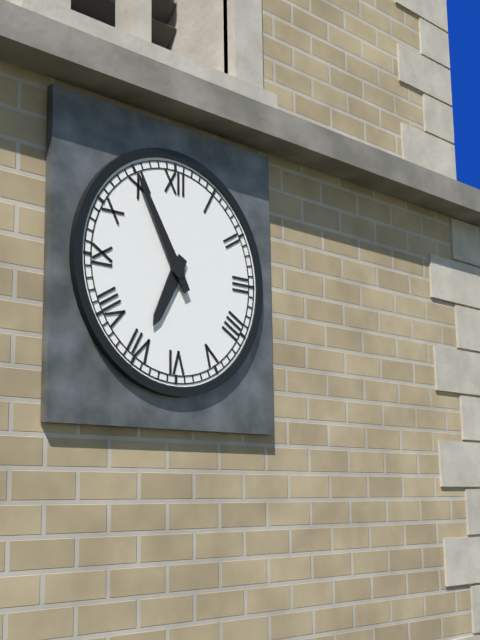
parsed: **6:55**
